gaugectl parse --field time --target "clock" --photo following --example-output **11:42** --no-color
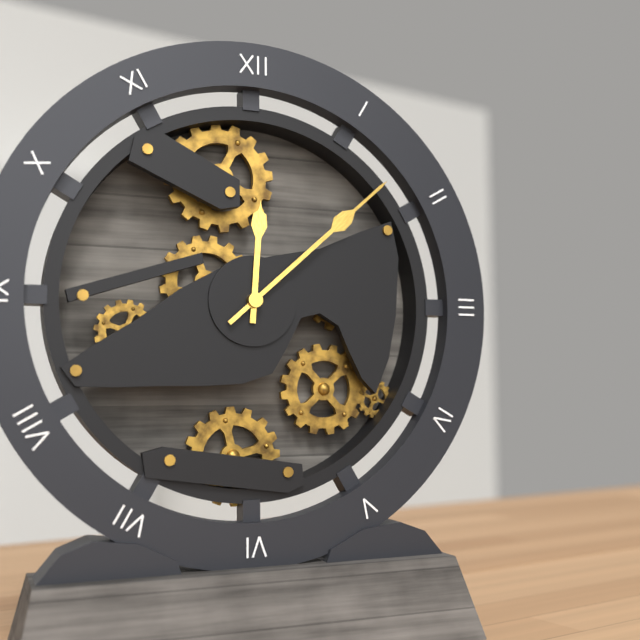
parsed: **12:08**
